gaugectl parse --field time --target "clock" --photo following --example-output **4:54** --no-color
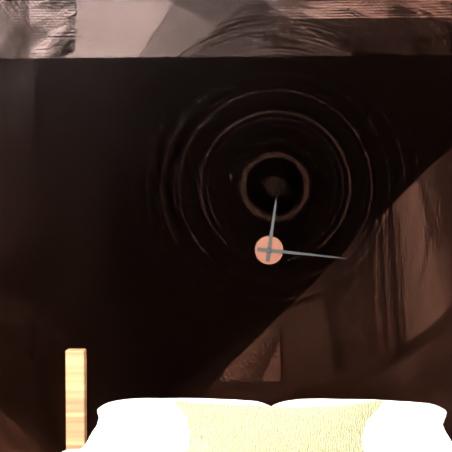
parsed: **12:16**
